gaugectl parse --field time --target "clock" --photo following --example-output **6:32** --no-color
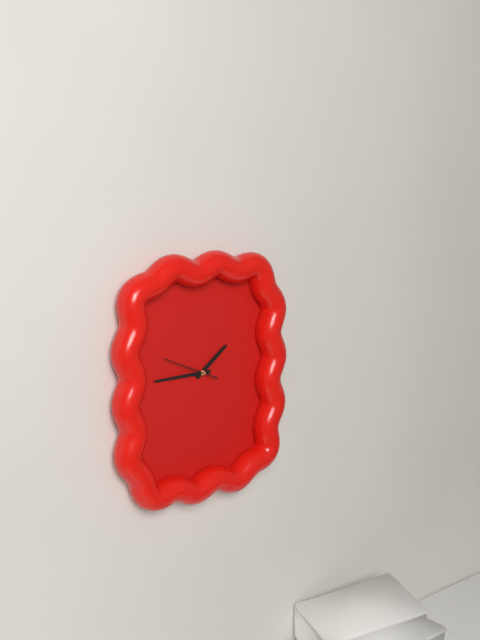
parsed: **1:45**
